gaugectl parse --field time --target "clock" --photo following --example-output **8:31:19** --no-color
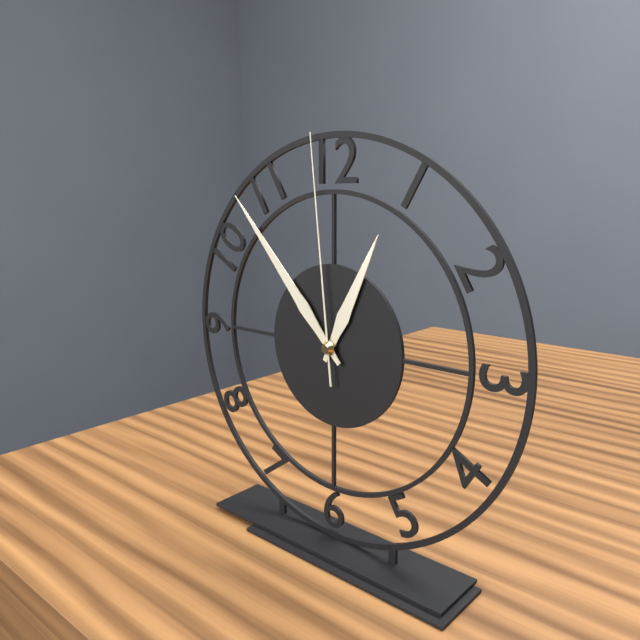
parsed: **12:53:59**
